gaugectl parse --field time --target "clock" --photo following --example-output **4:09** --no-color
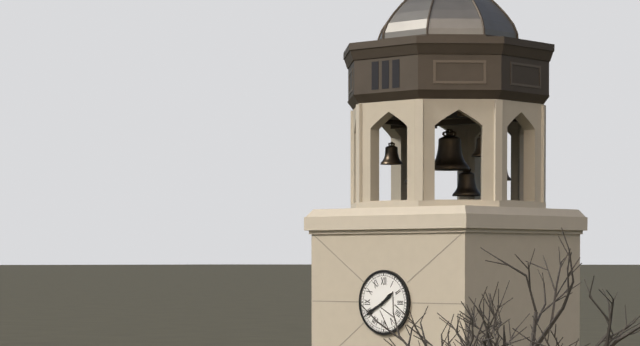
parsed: **1:40**
